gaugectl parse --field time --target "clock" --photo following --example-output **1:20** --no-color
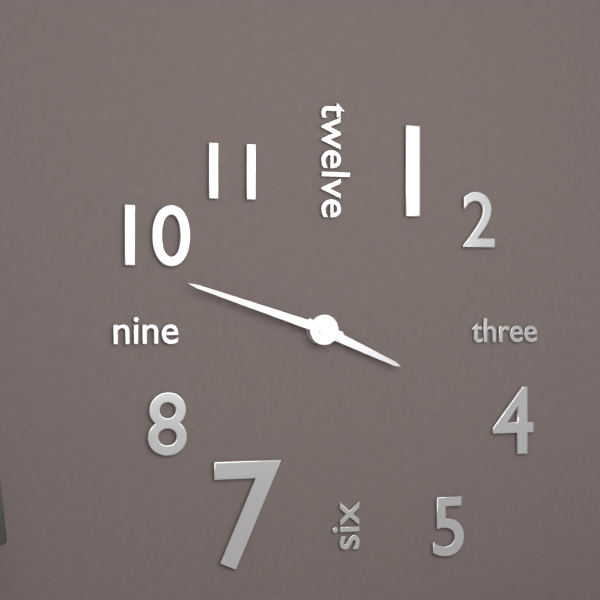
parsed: **3:48**
